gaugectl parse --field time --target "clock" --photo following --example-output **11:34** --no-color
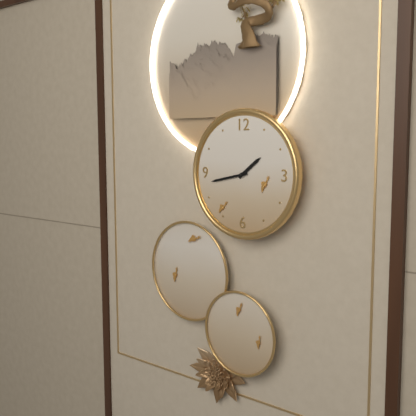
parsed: **1:43**
